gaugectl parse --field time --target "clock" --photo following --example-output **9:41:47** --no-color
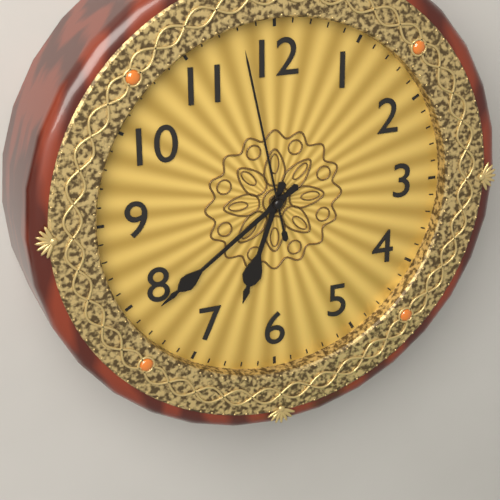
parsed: **6:39:58**
